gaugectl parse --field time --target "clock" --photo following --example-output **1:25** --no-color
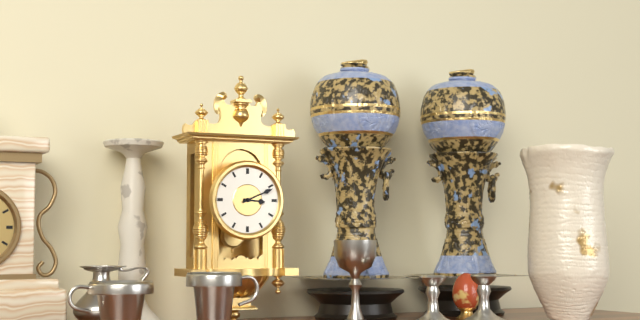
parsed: **3:11**
